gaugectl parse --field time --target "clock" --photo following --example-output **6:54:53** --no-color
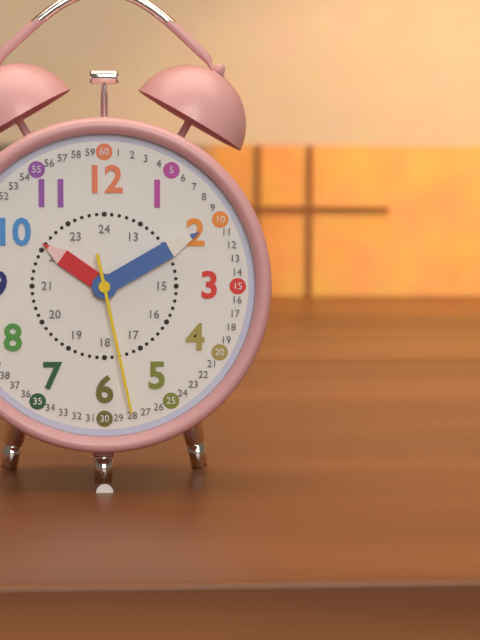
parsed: **10:10:28**
